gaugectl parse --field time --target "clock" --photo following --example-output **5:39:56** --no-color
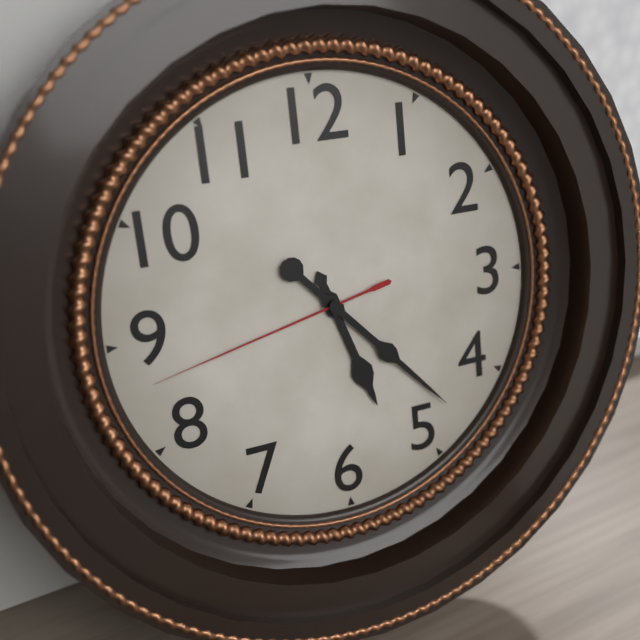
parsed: **5:23:43**
